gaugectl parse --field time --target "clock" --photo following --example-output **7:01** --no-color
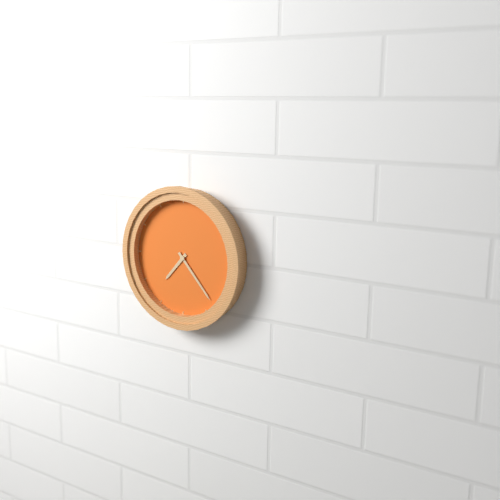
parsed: **7:23**
